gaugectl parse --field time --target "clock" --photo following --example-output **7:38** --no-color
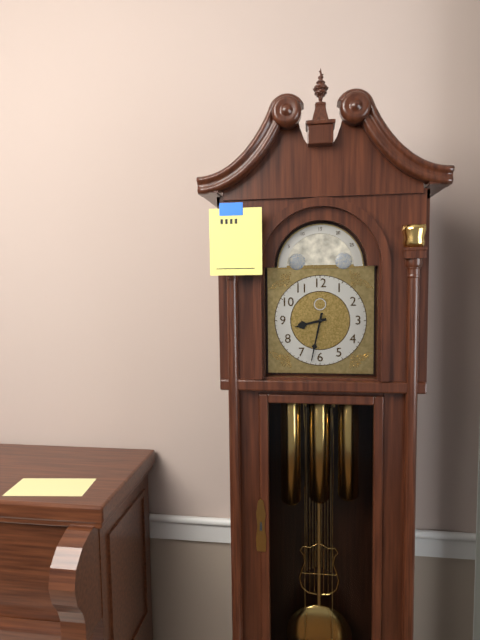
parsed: **8:32**
